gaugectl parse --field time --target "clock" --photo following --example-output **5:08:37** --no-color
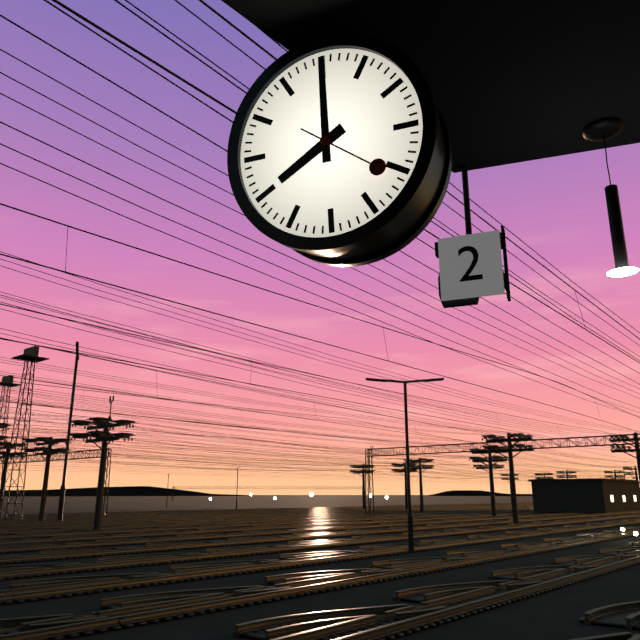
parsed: **8:00:21**
